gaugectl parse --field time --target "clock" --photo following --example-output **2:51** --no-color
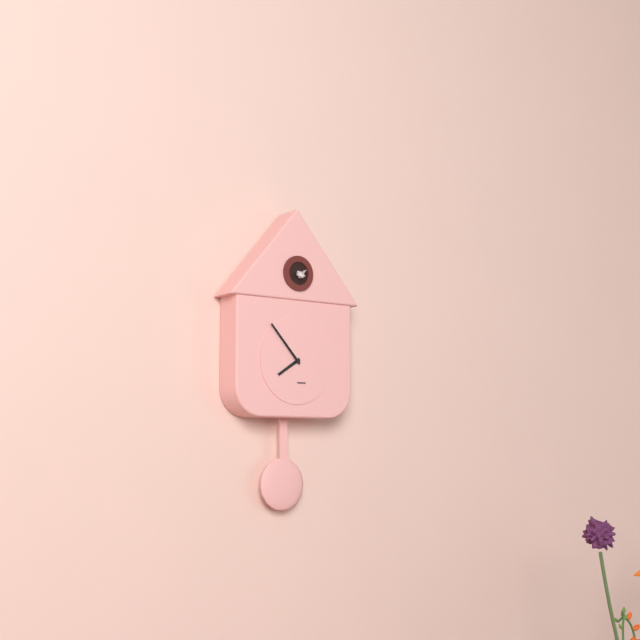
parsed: **7:53**
